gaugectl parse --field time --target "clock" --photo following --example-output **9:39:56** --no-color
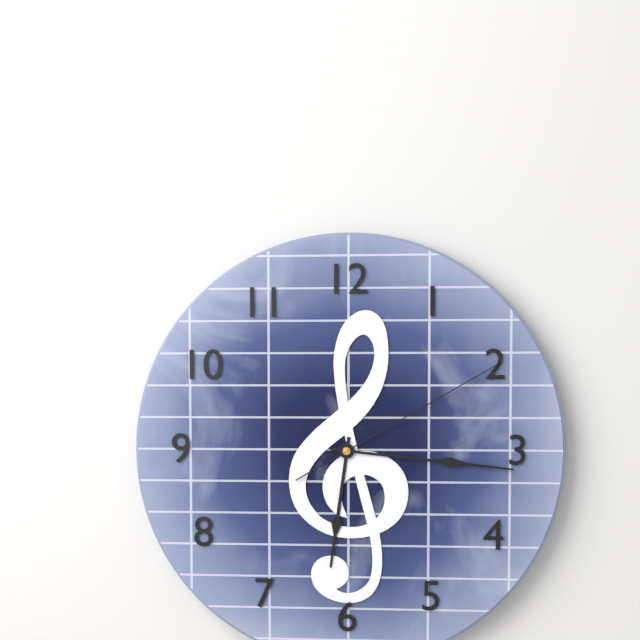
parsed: **6:16:10**
